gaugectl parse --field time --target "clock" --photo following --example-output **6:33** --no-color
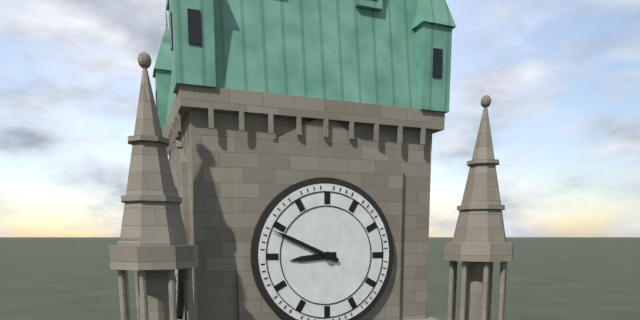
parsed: **8:49**
